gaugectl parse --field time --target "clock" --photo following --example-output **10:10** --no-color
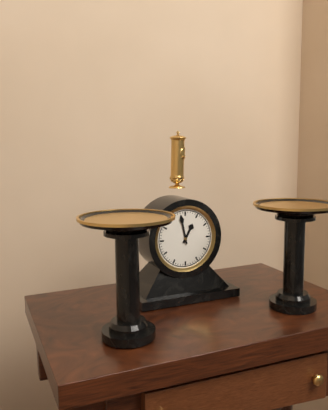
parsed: **12:58**
